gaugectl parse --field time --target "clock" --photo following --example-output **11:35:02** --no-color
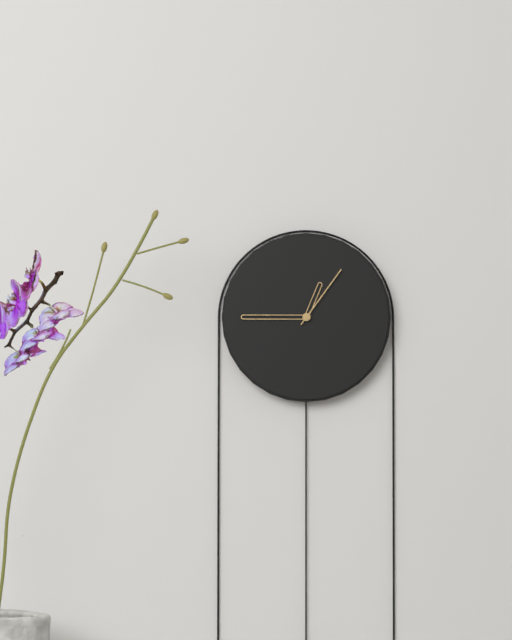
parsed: **12:45:06**
